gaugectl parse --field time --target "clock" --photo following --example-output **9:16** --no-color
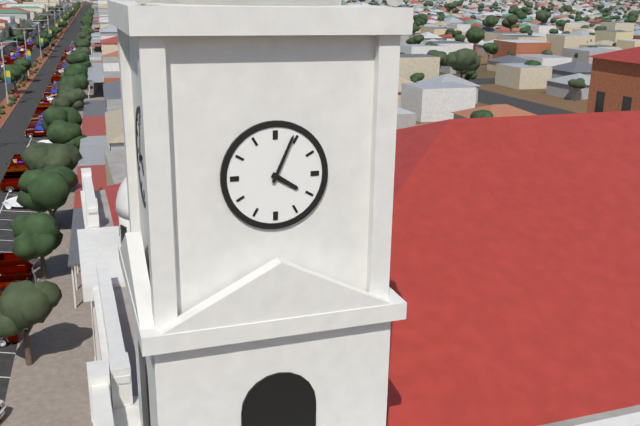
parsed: **4:04**
